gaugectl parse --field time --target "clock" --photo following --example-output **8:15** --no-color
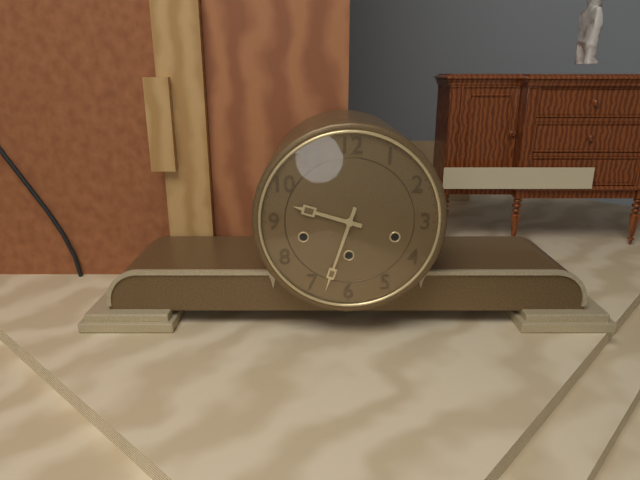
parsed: **9:33**
